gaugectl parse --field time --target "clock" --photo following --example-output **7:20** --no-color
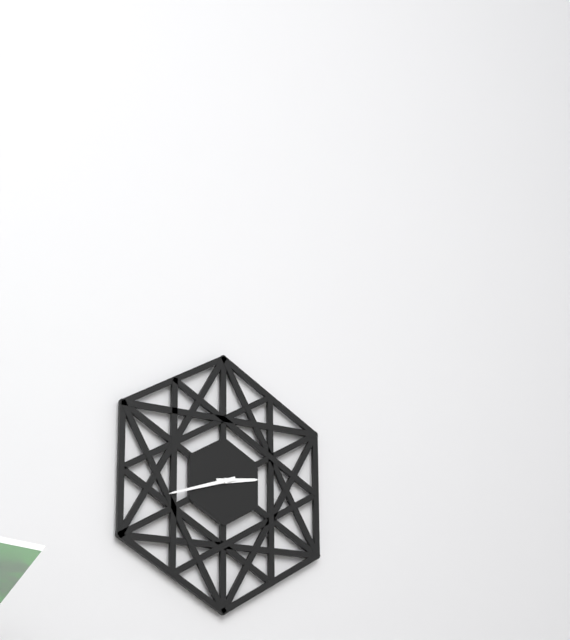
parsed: **2:42**
